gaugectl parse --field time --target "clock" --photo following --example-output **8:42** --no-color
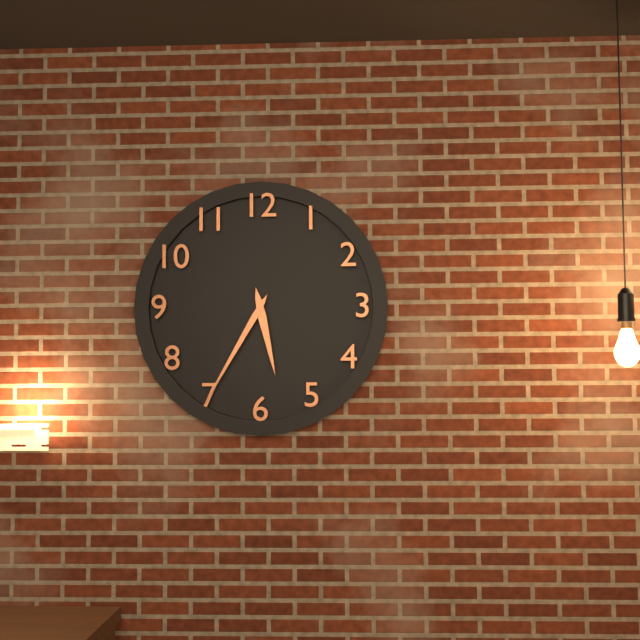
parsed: **5:35**
